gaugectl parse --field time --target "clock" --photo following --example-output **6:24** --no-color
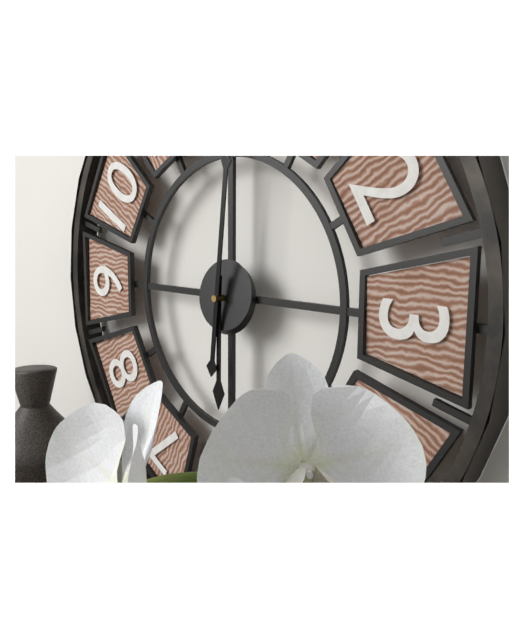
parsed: **6:01**
